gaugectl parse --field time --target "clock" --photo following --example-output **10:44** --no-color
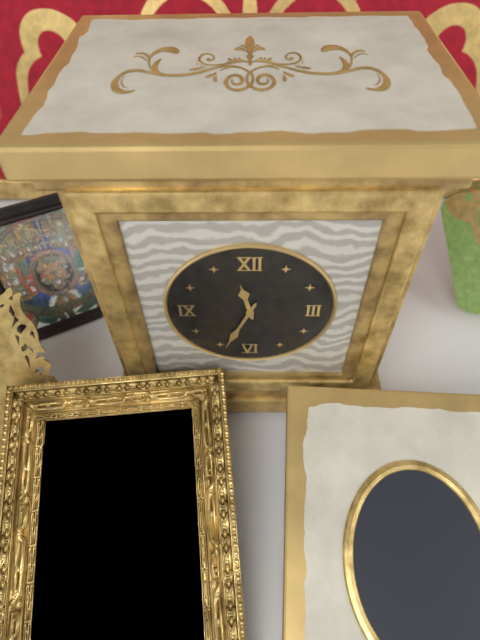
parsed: **11:34**
